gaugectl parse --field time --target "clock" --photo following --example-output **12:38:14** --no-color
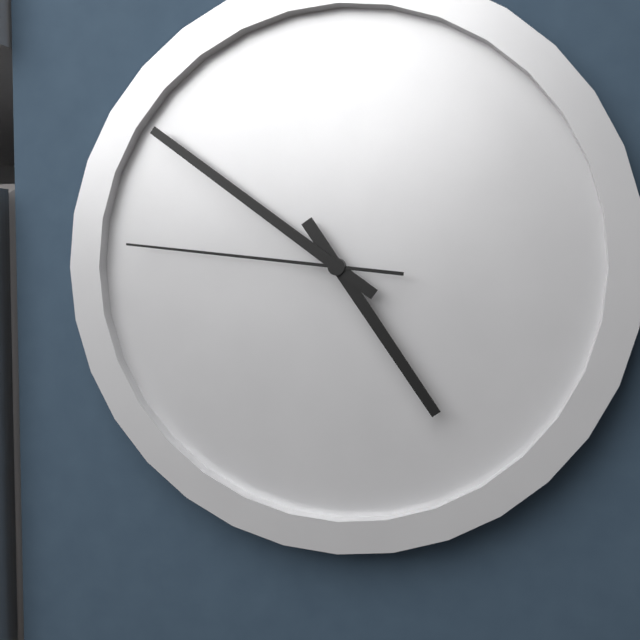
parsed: **4:51:46**
